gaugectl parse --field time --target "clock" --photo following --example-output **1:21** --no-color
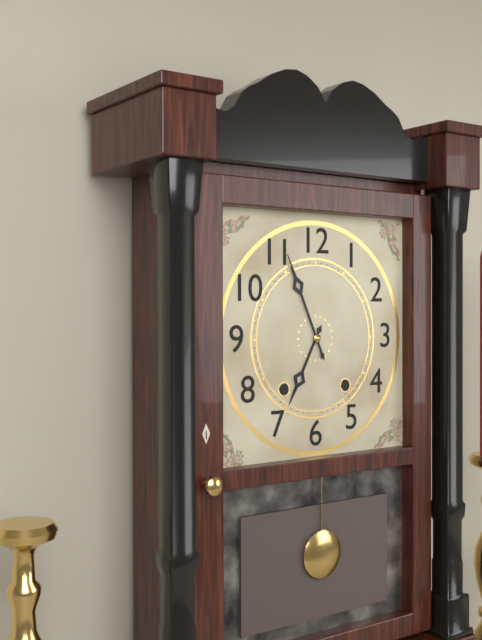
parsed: **6:56**
